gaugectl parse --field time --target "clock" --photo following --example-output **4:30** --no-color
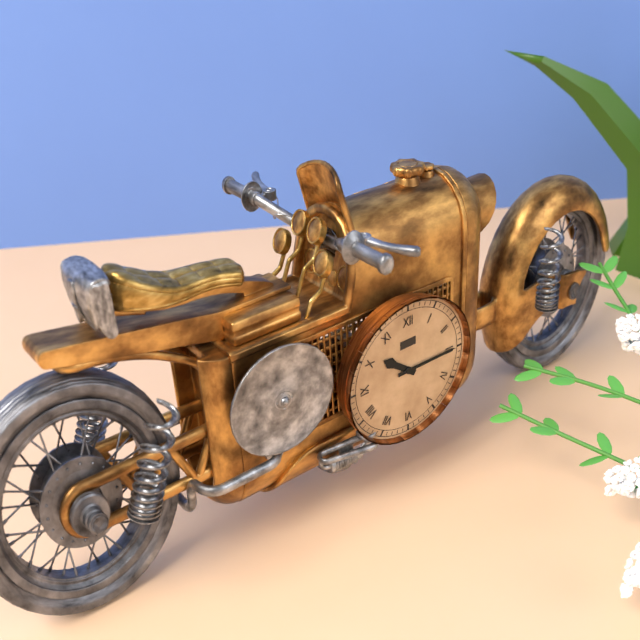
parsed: **10:15**
